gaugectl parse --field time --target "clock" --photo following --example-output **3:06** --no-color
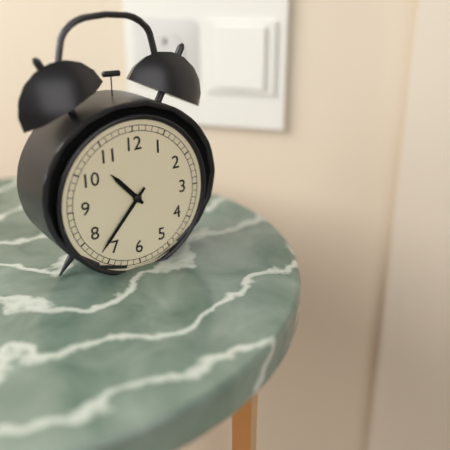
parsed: **10:37**
